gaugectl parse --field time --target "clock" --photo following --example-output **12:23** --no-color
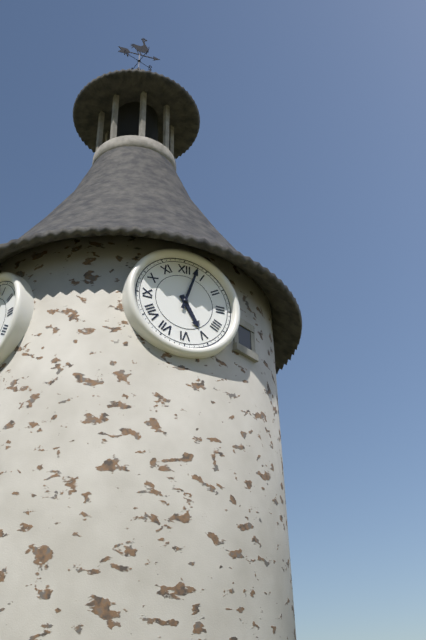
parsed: **5:03**
